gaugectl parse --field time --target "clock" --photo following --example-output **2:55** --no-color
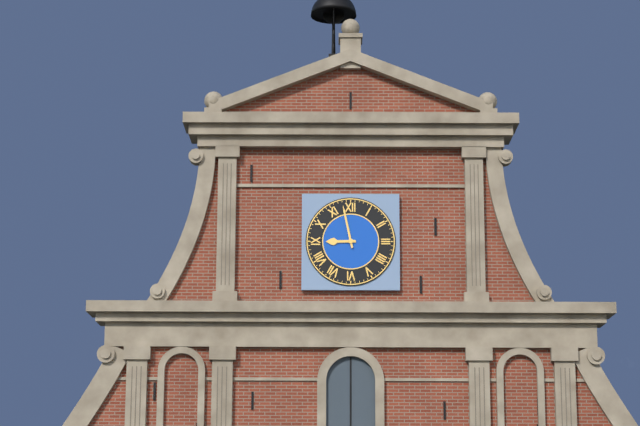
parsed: **8:58**
